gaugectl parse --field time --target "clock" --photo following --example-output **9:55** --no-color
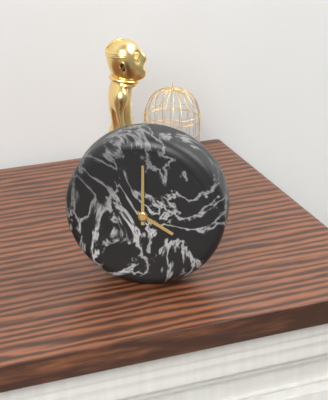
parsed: **4:00**
